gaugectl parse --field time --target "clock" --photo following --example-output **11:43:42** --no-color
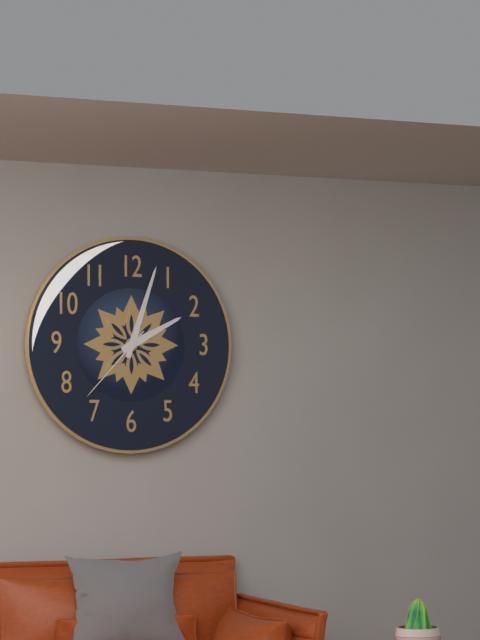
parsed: **2:03:37**
